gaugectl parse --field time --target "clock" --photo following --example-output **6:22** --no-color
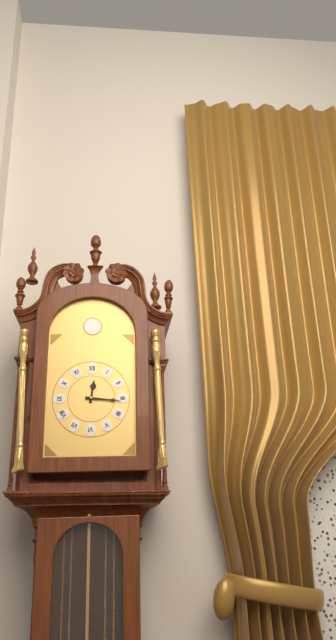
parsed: **12:16**
